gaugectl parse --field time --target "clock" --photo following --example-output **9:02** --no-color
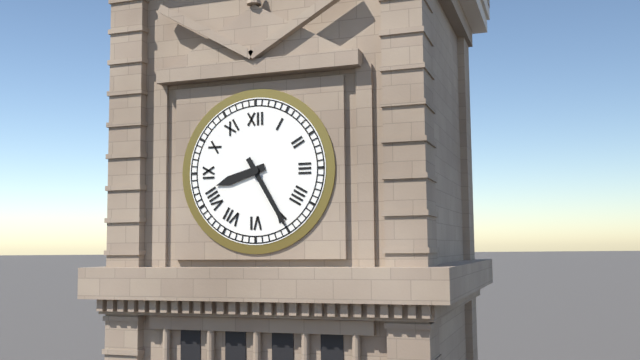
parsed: **8:25**
